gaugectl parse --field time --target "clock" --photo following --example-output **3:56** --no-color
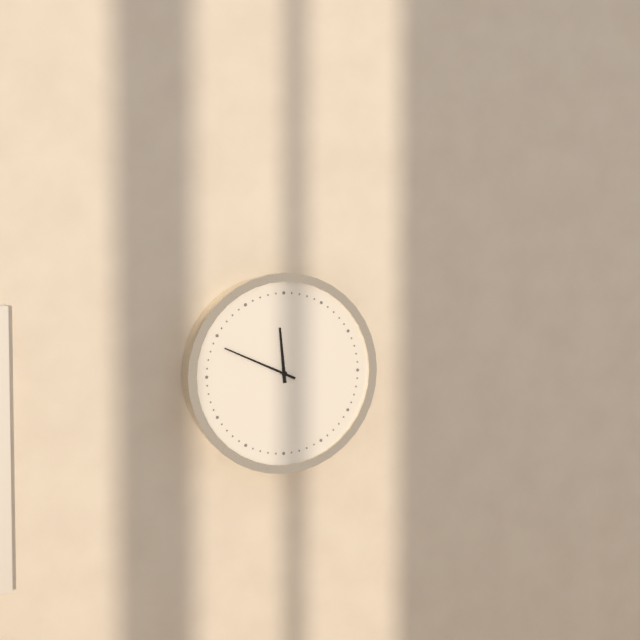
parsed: **11:49**
